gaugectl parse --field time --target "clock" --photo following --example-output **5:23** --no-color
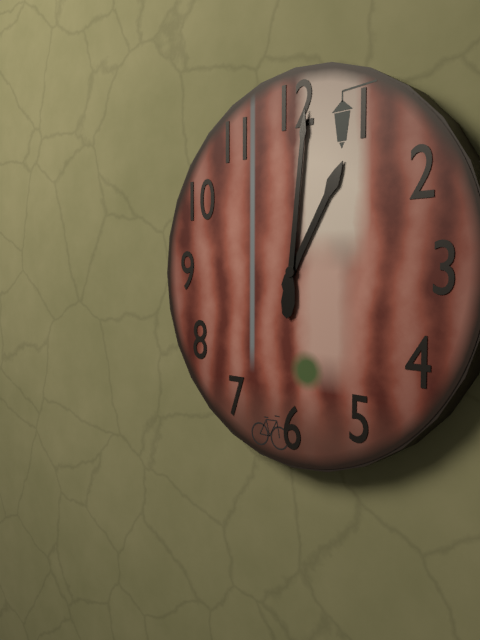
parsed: **1:01**
